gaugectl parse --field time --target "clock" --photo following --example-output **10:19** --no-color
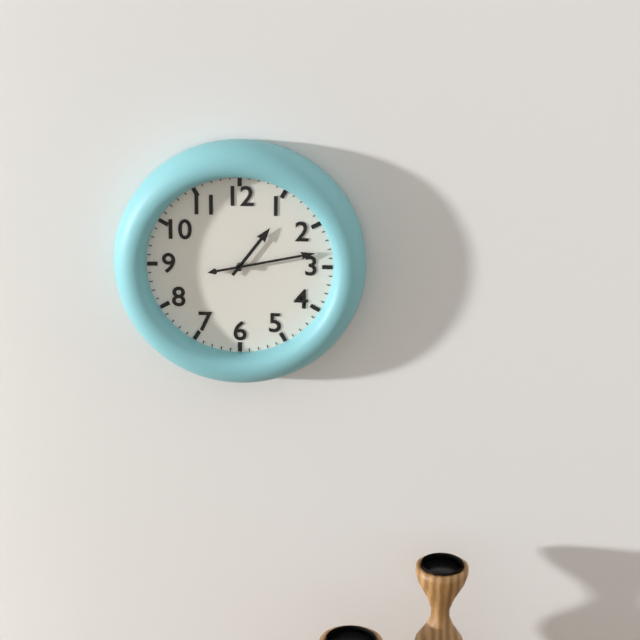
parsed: **1:13**
